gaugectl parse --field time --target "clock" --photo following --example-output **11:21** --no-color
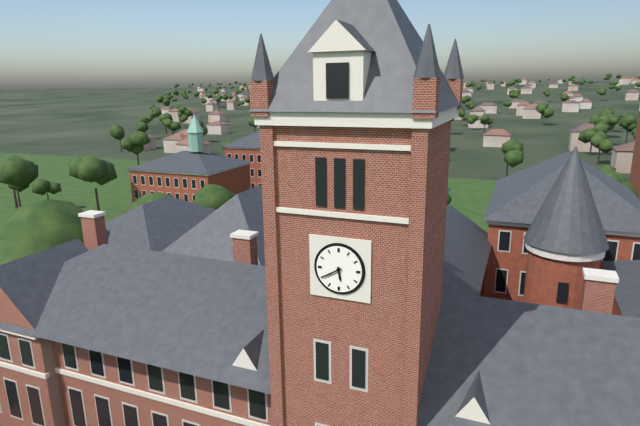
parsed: **5:40**
